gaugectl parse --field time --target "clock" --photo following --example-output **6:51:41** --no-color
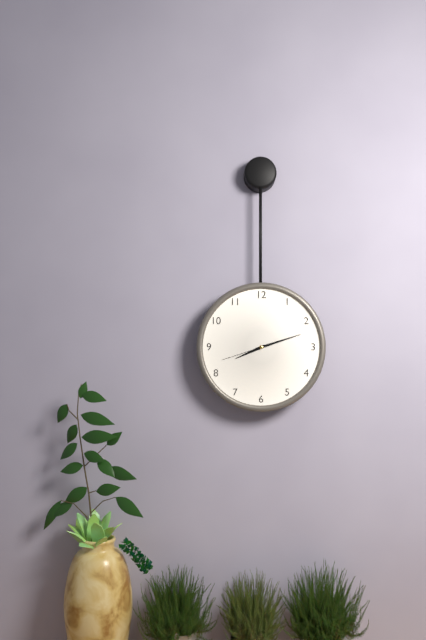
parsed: **8:12:42**
